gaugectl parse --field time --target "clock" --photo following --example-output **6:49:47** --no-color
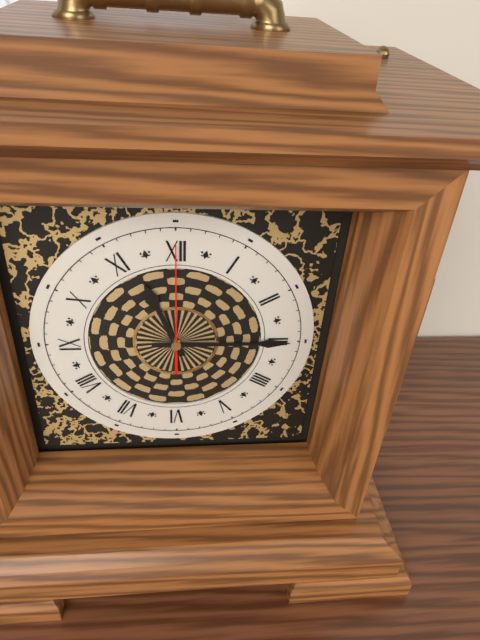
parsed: **11:15:00**
